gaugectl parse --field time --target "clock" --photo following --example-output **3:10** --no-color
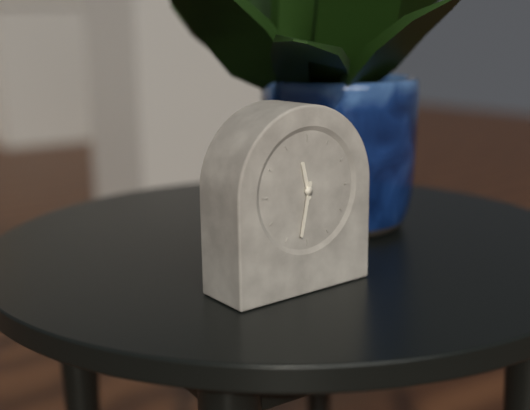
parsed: **11:32**
